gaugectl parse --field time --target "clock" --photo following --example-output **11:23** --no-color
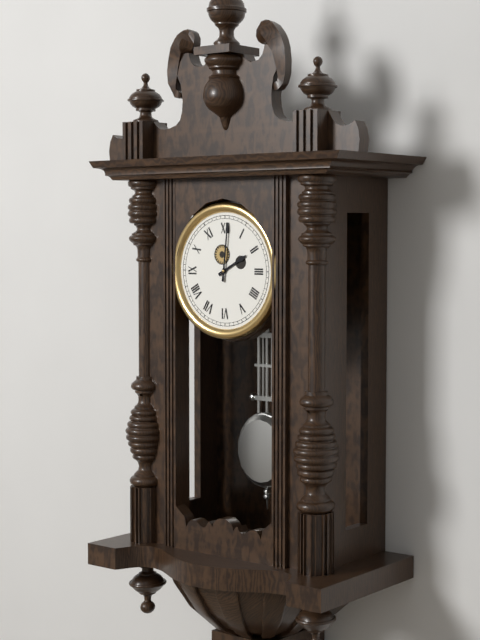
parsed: **2:01**
